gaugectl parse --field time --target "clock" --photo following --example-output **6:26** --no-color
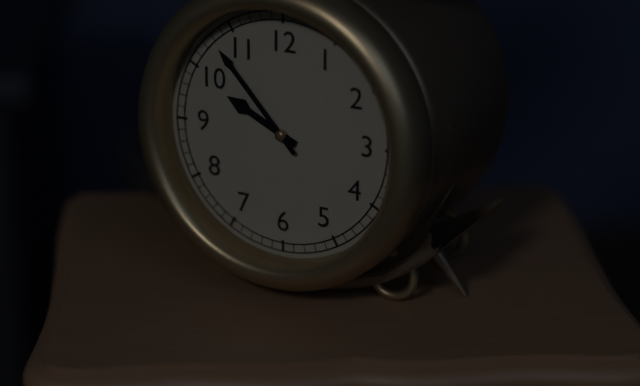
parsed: **9:53**
